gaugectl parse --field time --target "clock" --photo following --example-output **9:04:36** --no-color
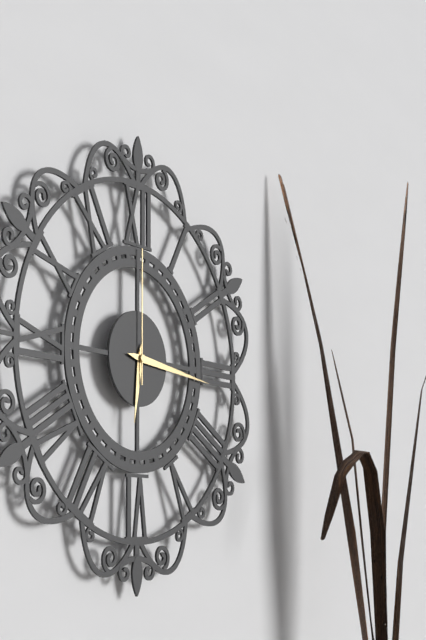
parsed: **6:16:00**
